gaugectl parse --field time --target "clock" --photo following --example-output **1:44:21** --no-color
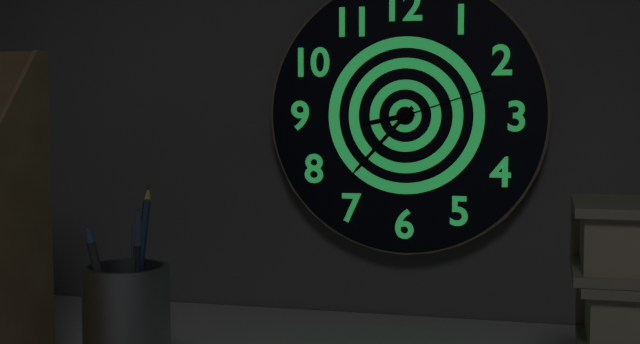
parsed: **8:37:12**
